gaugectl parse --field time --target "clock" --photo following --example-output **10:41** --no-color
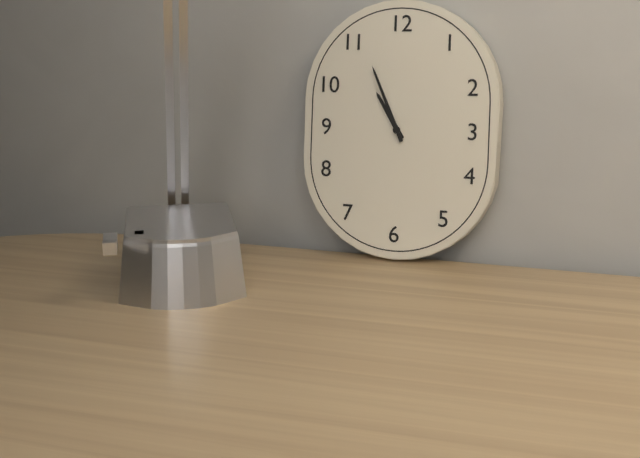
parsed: **10:56**
